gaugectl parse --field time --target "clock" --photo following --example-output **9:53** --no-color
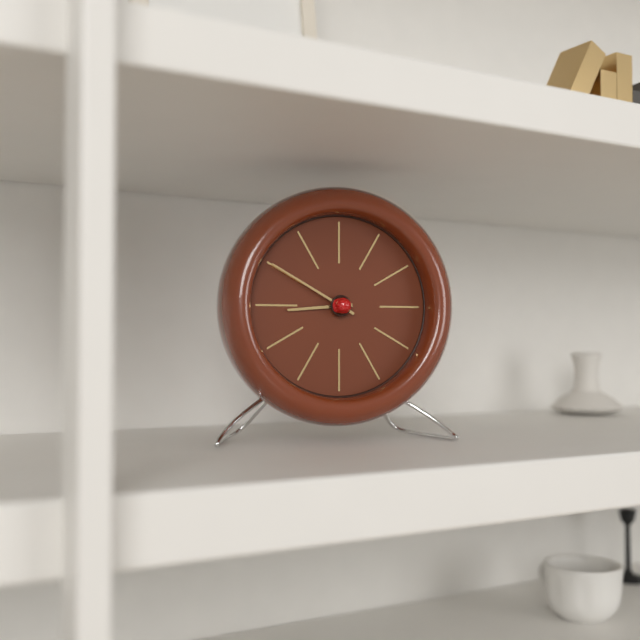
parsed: **8:50**
